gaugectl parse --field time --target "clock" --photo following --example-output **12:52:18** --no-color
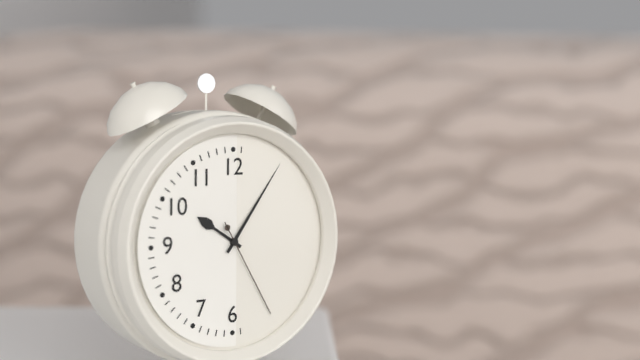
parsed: **10:06:25**
